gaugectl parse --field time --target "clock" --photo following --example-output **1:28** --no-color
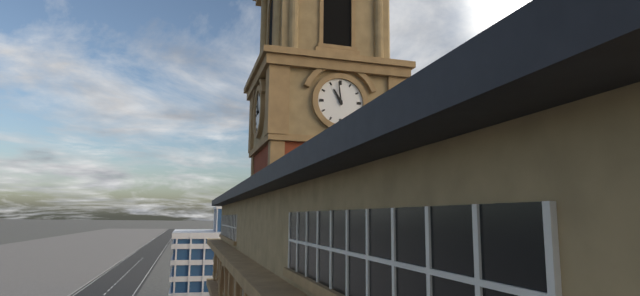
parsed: **10:59**
